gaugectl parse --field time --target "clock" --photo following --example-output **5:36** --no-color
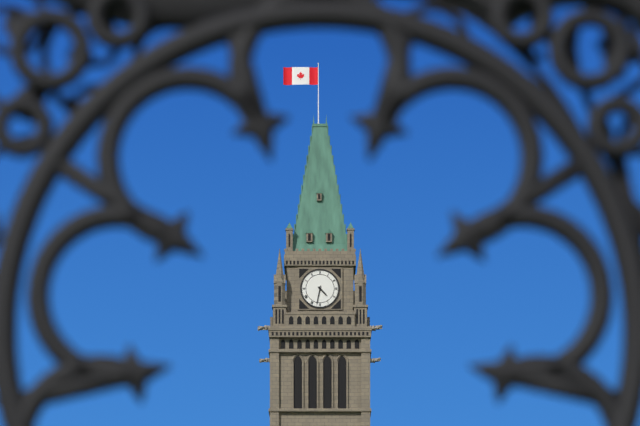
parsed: **4:32**
